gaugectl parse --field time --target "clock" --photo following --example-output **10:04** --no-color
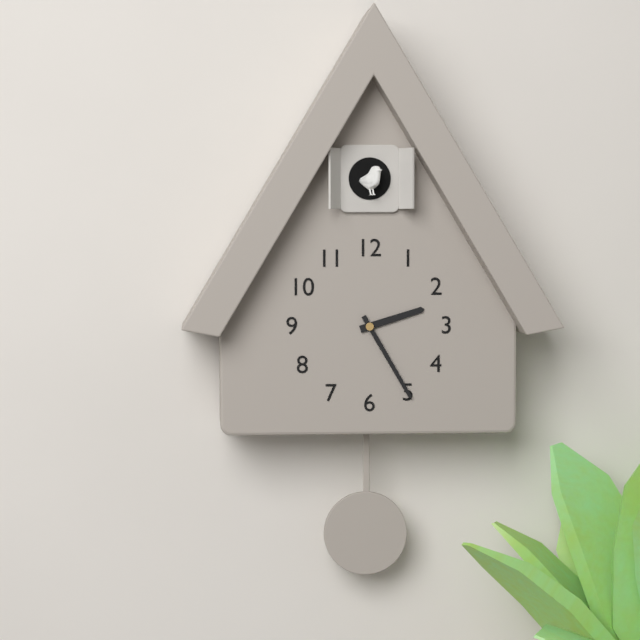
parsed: **2:25**
